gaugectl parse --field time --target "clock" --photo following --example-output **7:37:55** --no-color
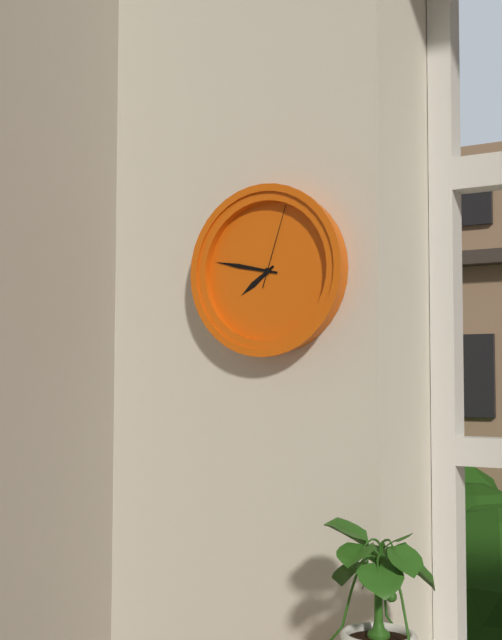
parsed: **7:47:03**
